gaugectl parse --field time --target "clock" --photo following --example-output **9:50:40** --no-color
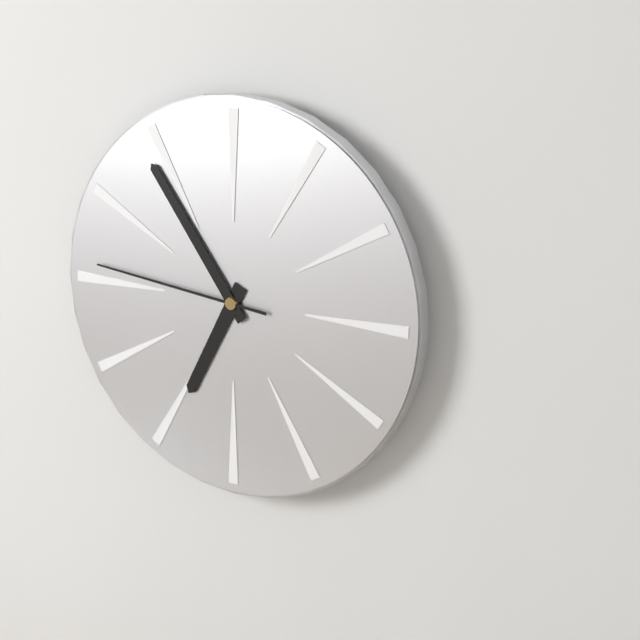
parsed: **6:54:46**
